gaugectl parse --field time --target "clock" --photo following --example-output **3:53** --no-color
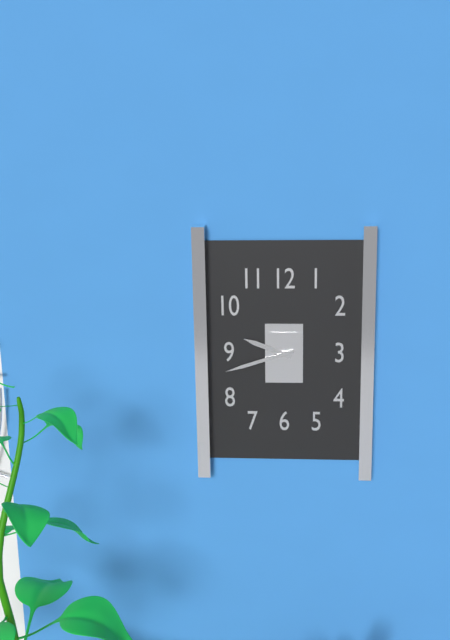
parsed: **9:42**
